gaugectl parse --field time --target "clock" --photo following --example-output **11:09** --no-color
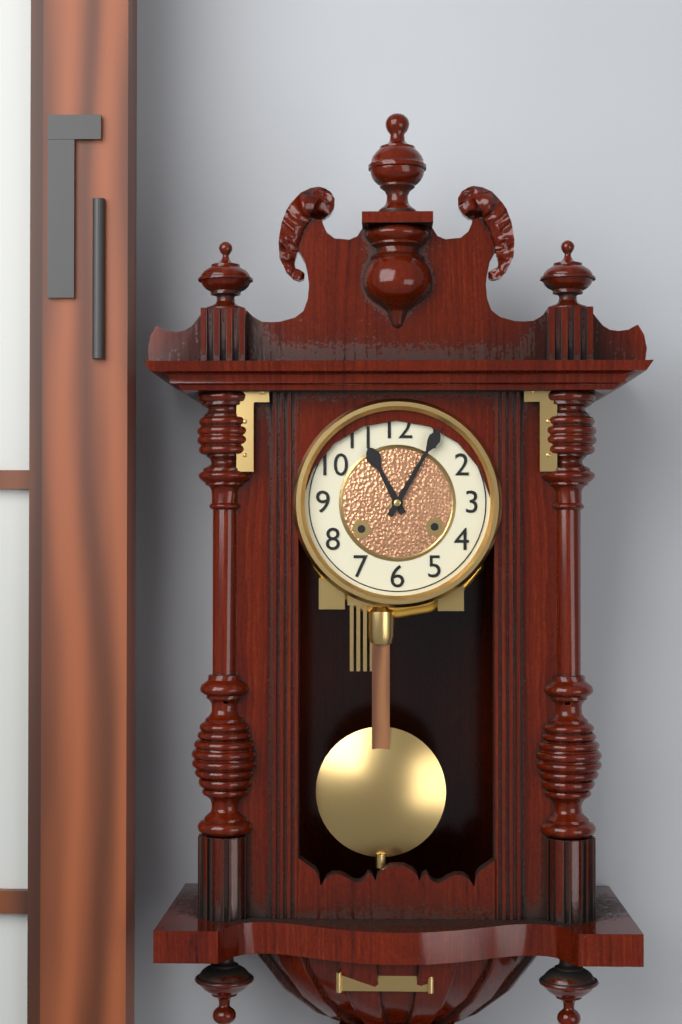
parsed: **11:05**
